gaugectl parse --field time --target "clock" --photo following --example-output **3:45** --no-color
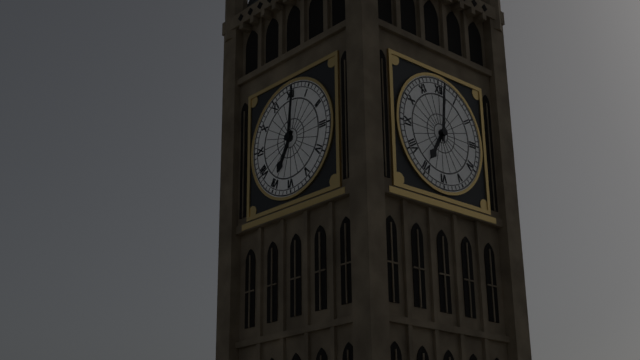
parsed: **7:01**
